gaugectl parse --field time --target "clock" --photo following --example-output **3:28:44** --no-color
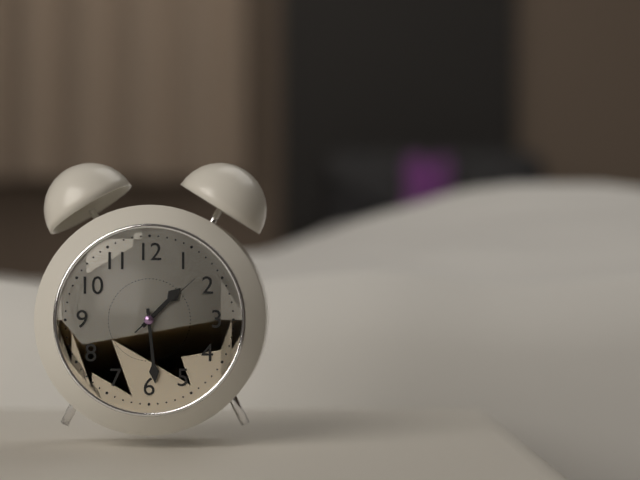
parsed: **1:29:08**
